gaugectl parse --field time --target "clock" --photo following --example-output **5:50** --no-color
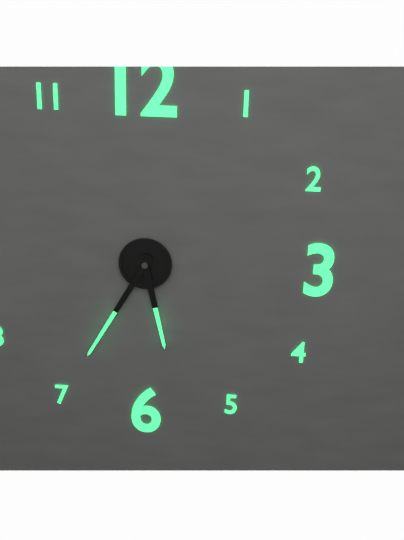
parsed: **5:35**
